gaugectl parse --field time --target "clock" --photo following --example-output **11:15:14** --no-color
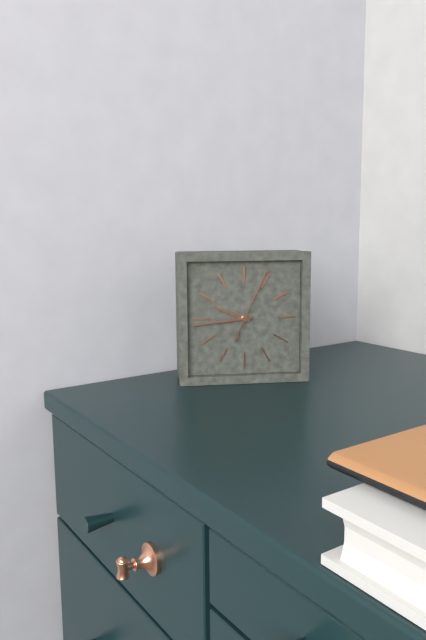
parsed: **9:44:04**
